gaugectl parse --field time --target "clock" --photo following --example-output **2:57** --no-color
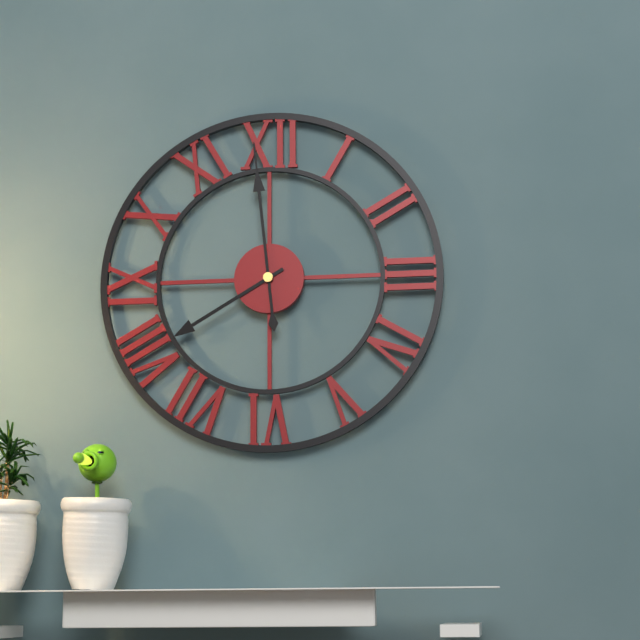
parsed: **7:59**
